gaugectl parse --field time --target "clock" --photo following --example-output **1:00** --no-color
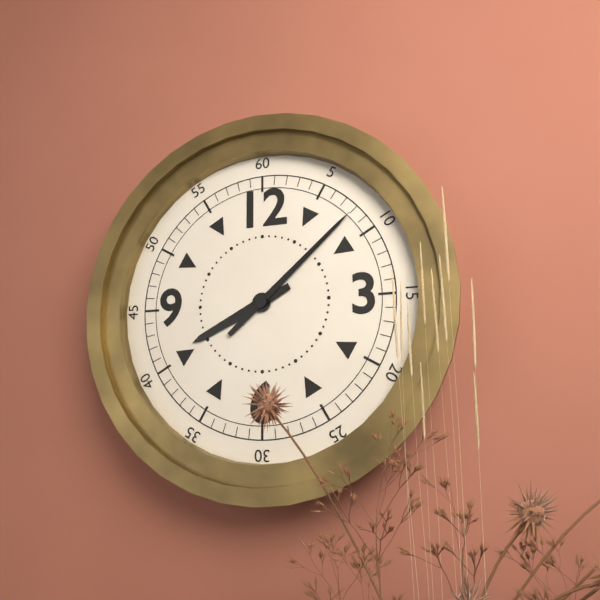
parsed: **8:08**
